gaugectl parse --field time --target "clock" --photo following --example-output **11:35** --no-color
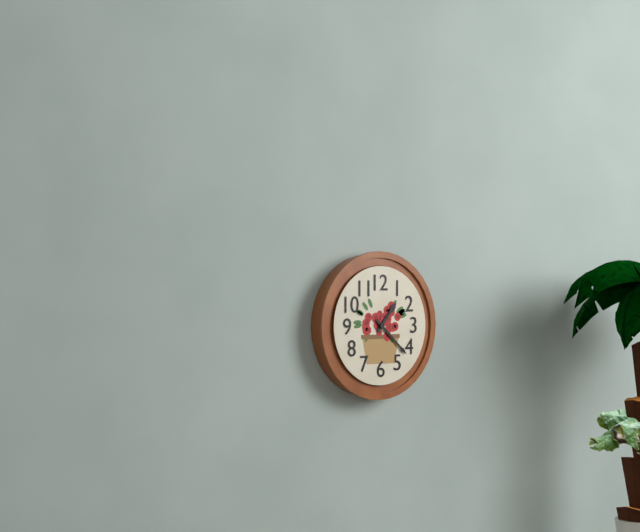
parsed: **1:22**
